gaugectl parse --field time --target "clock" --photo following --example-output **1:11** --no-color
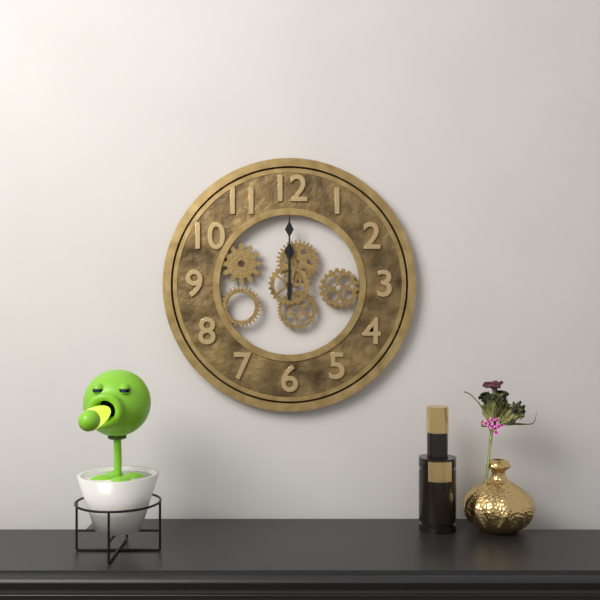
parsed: **12:00**
